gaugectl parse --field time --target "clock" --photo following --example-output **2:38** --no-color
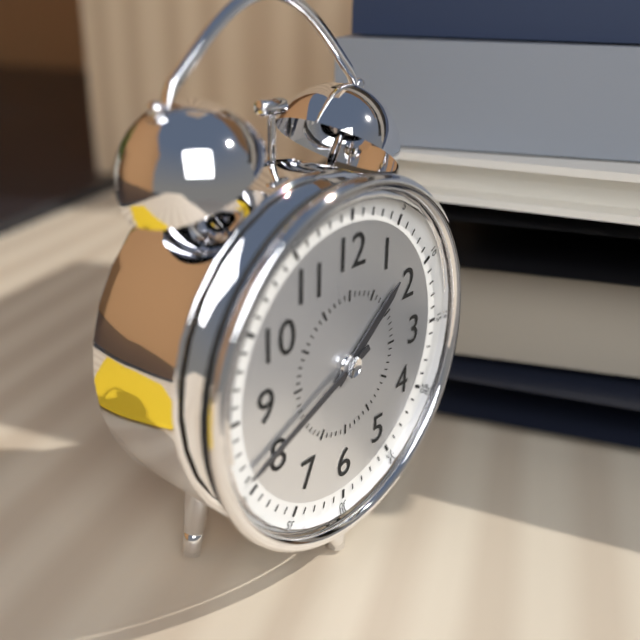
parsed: **1:41**
